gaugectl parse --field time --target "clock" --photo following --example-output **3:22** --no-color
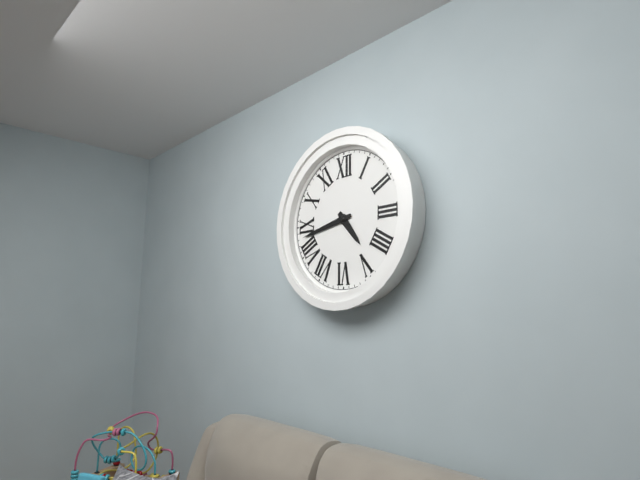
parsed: **4:43**
